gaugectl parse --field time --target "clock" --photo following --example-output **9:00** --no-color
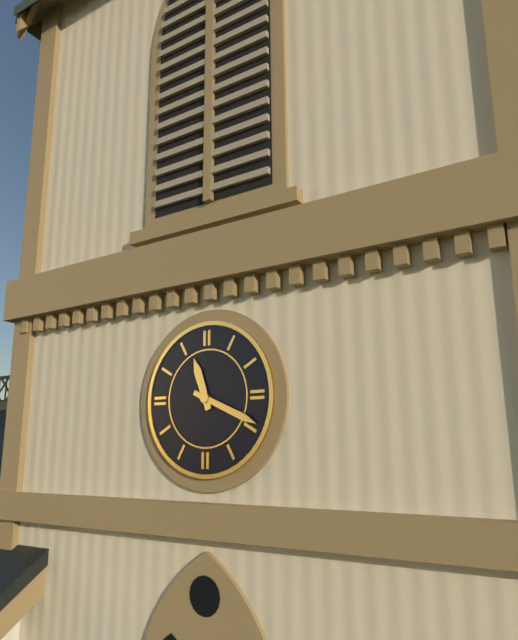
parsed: **11:19**
